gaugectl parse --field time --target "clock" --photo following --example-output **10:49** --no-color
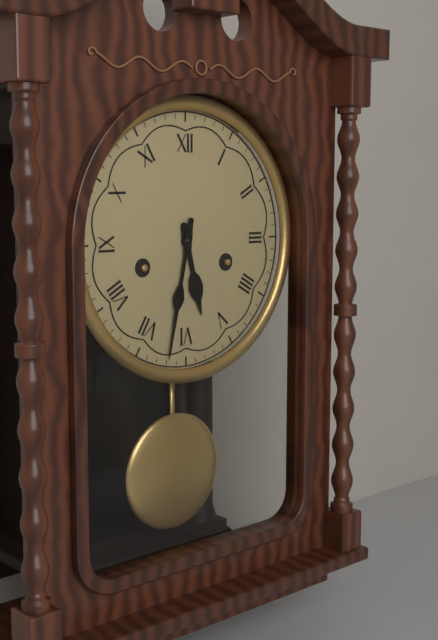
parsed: **5:32**
